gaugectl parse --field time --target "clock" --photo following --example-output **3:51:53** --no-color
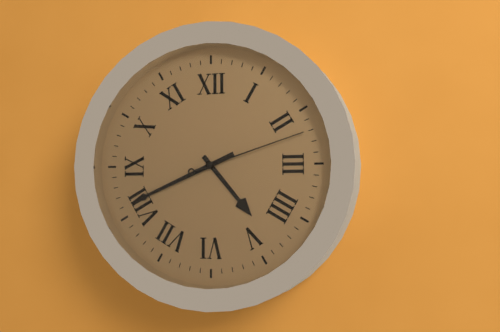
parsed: **4:41:12**
